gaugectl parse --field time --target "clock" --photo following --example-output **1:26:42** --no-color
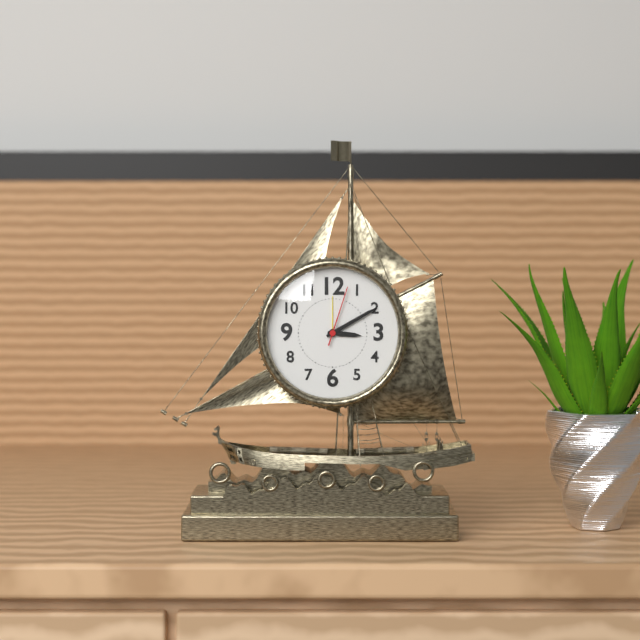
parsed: **3:10:03**
